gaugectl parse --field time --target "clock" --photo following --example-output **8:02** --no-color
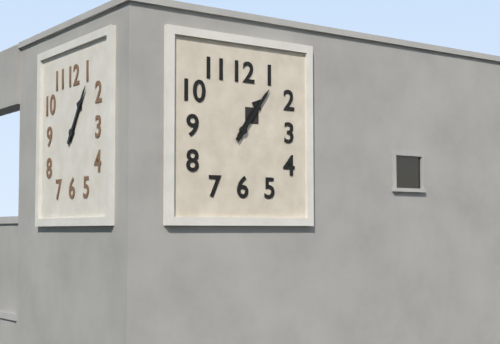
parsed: **1:06**
